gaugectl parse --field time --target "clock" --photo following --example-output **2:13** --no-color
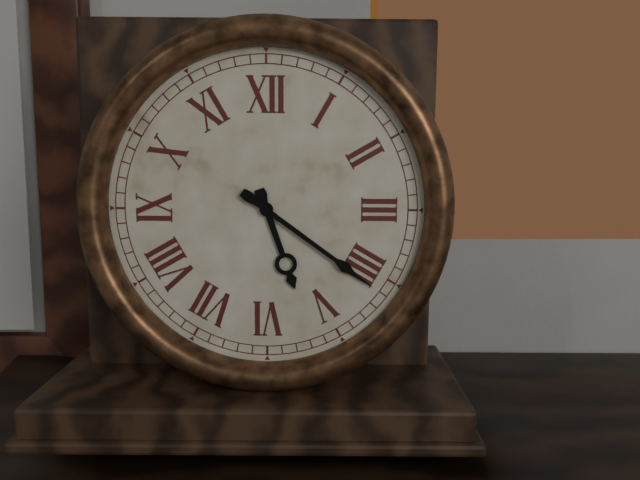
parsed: **5:21**
